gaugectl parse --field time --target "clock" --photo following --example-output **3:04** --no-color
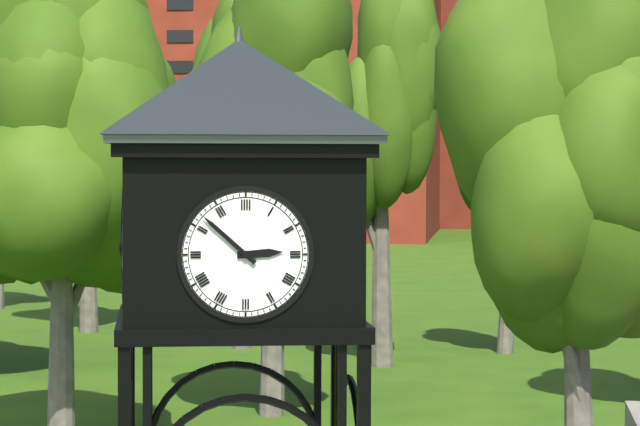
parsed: **2:52**
